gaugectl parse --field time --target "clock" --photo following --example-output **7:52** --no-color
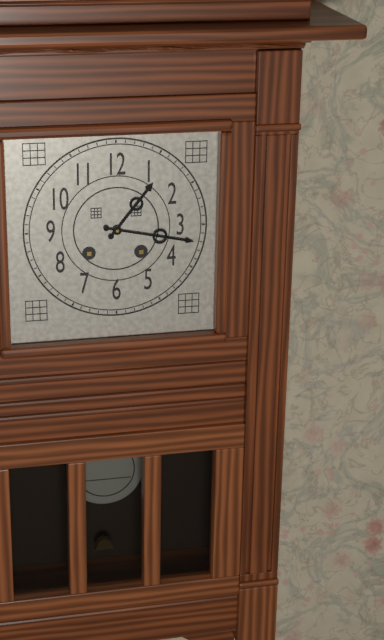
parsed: **1:17**
